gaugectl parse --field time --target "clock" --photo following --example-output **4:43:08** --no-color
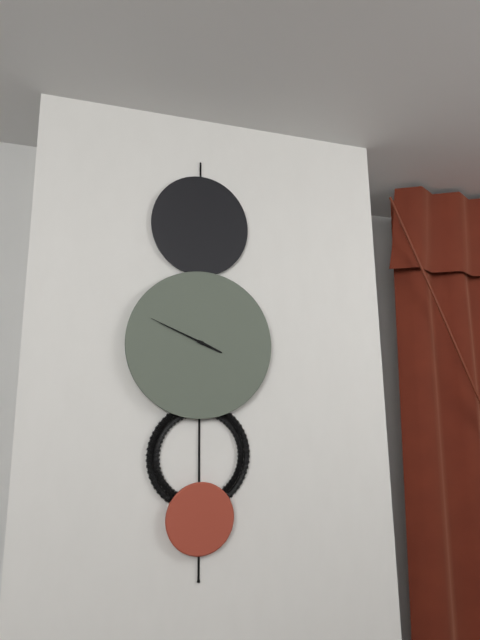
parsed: **3:49:49**
